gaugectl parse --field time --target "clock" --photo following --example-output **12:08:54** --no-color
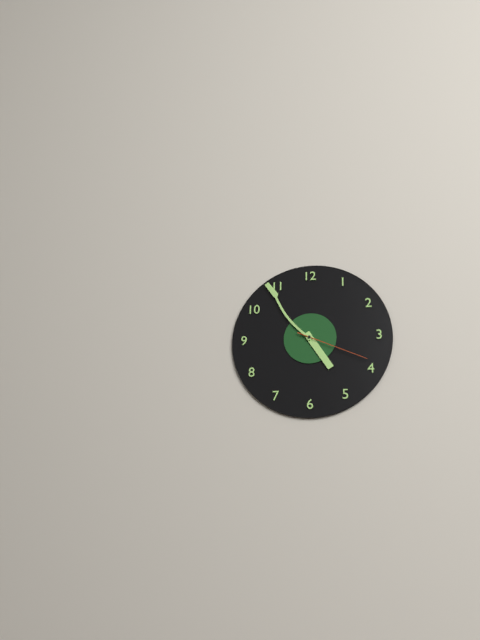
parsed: **4:54:19**
